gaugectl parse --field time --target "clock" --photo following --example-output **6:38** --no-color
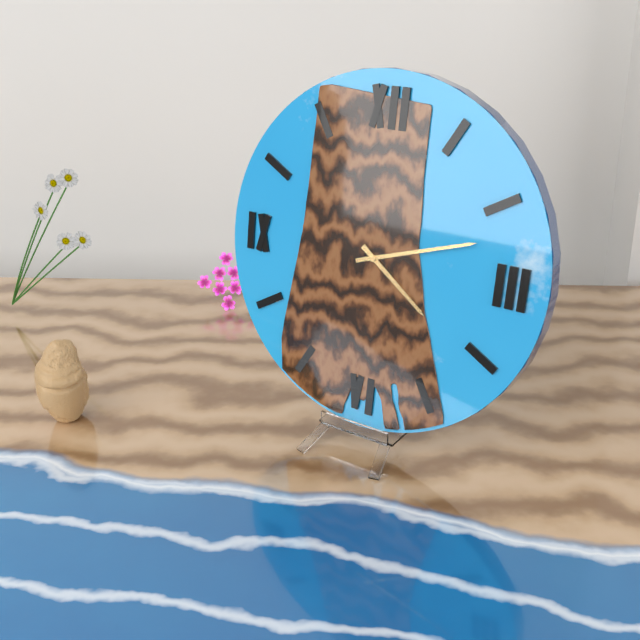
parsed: **4:12**
